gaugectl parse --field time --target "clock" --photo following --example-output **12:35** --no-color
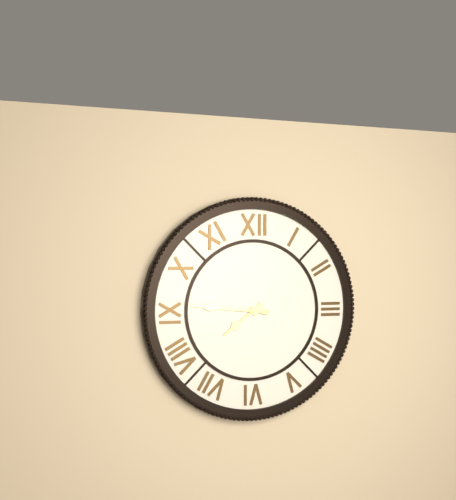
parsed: **7:46**
